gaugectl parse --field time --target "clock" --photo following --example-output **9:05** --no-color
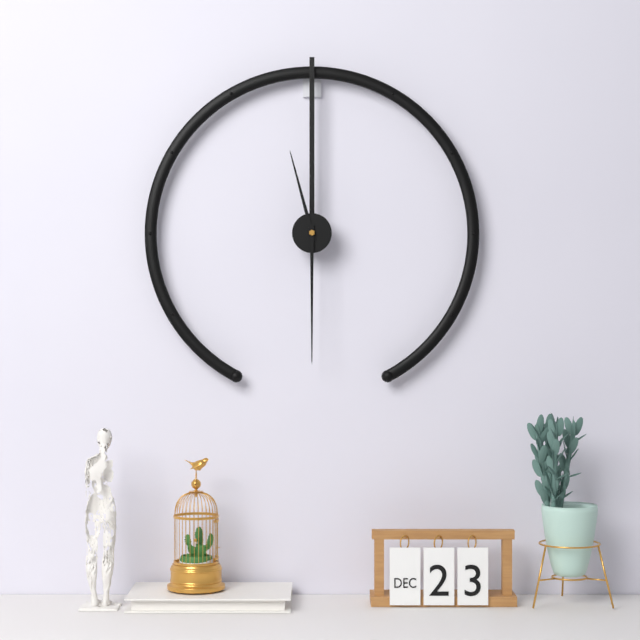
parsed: **11:30**
